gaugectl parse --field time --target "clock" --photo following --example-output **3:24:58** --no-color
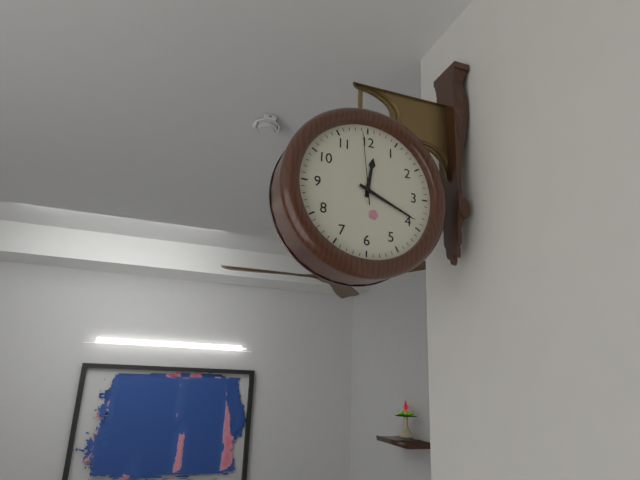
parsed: **12:19:59**
